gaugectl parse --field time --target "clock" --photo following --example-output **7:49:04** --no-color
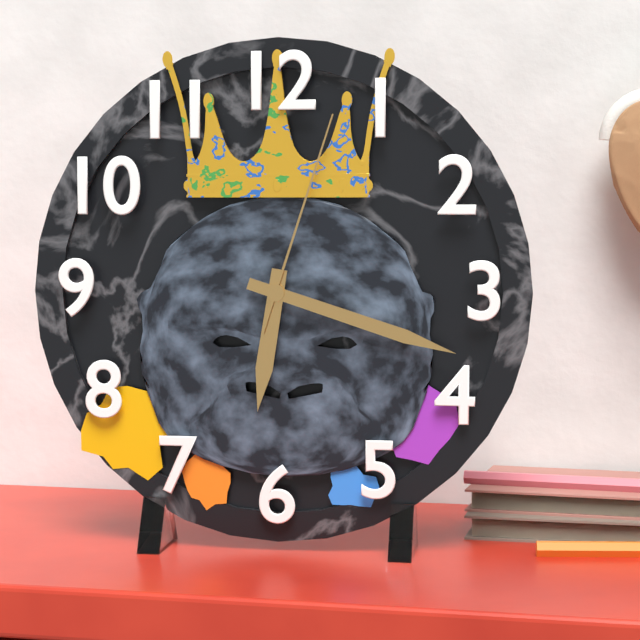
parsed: **6:18:03**
